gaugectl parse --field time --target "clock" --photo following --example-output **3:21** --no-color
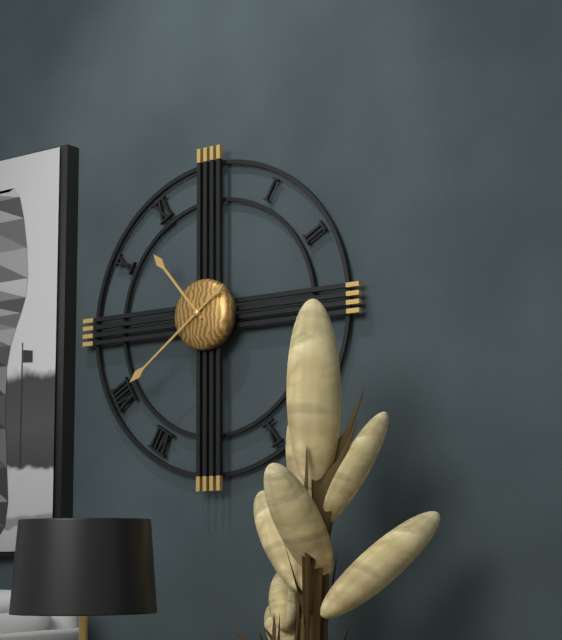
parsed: **10:39**
